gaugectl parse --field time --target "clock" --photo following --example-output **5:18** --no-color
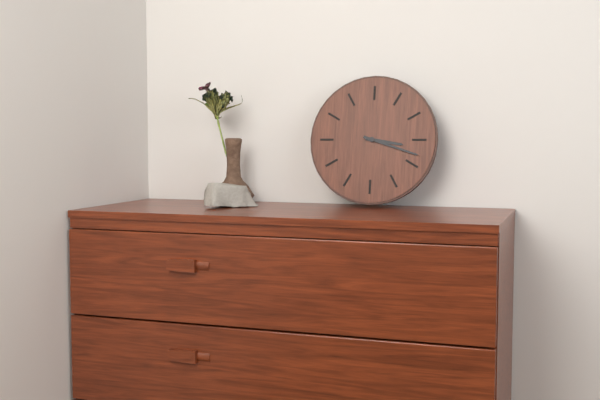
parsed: **3:18**
